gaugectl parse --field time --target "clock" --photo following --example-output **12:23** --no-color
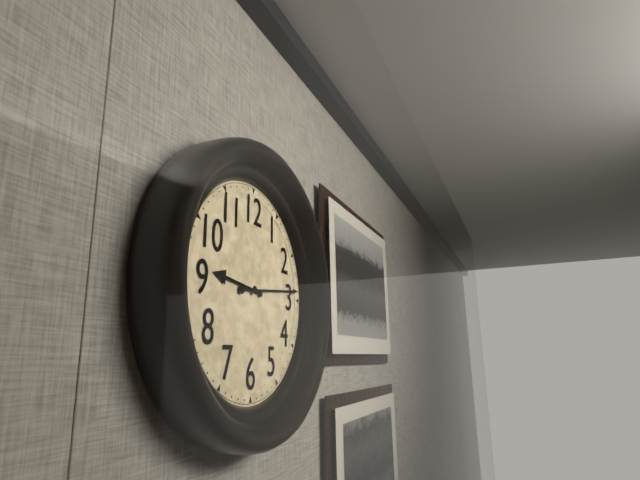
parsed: **9:14**
